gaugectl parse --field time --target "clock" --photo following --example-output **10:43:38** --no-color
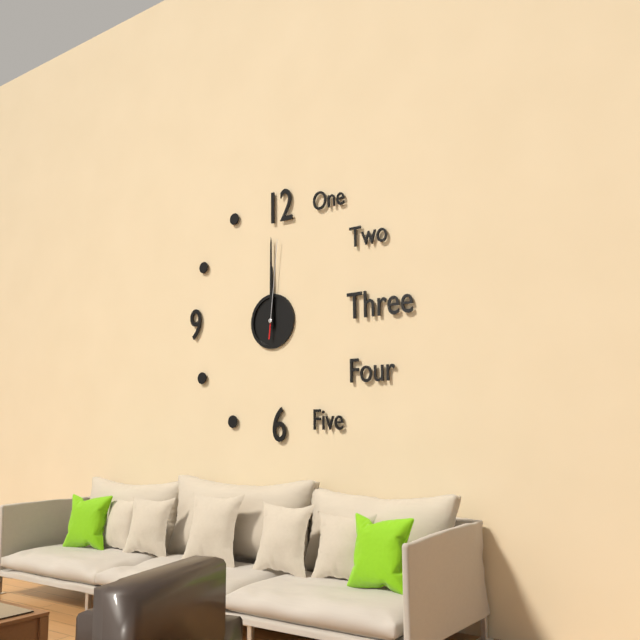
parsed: **12:00:01**
